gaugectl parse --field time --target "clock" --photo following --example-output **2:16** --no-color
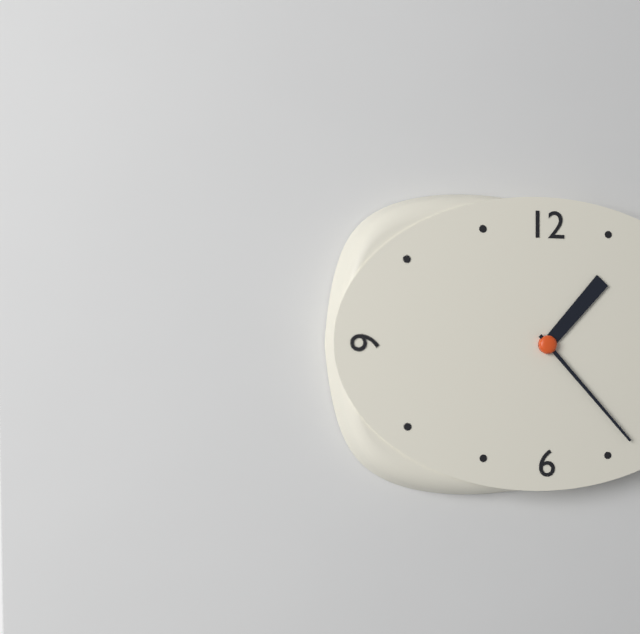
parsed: **1:23**
